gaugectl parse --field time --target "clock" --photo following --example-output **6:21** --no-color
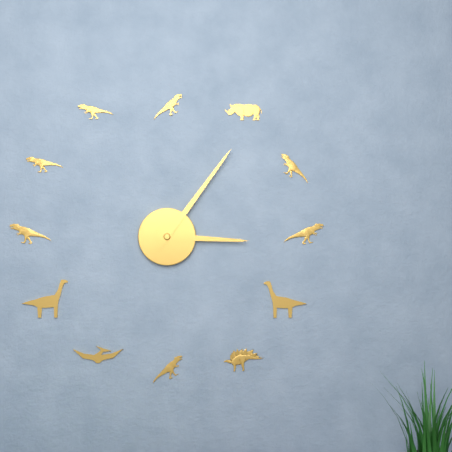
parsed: **3:06**
